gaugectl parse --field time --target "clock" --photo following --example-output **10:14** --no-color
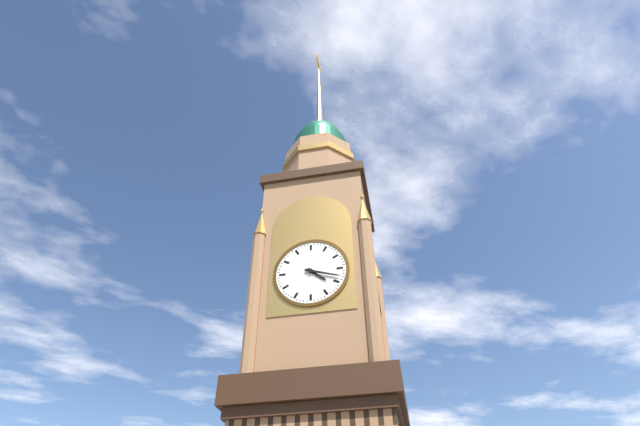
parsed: **4:18**
